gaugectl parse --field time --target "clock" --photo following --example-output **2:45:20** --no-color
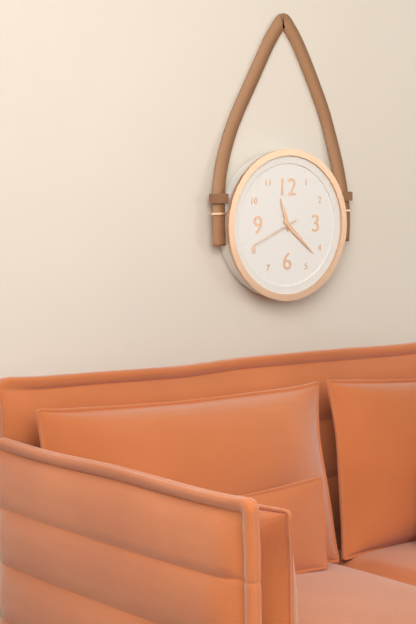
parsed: **11:22:41**
